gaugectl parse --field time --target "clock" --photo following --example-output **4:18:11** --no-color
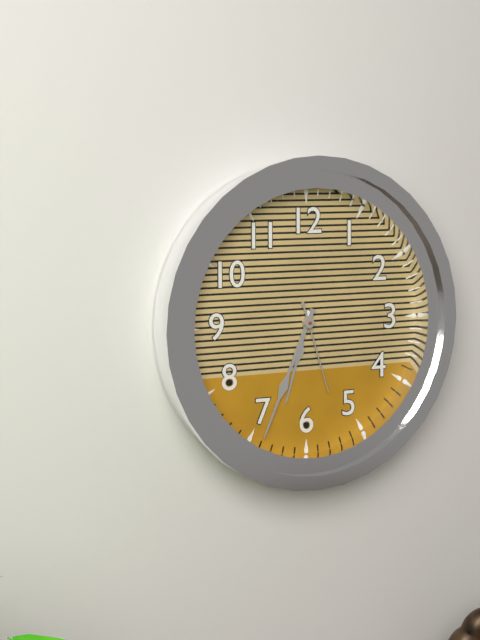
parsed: **6:34:27**
